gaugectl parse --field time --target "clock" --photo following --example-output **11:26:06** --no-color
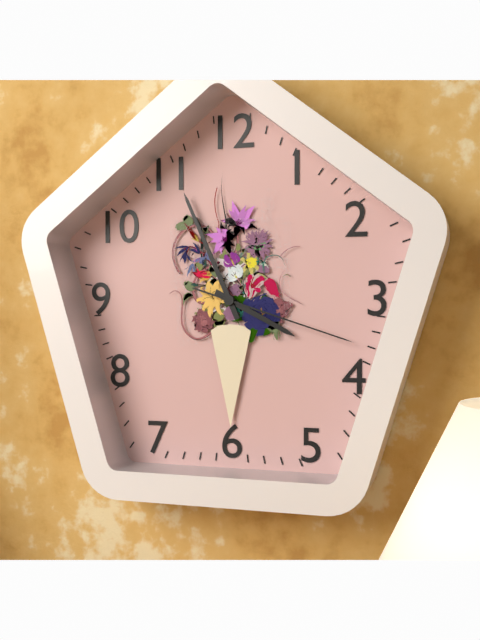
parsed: **3:56:18**
